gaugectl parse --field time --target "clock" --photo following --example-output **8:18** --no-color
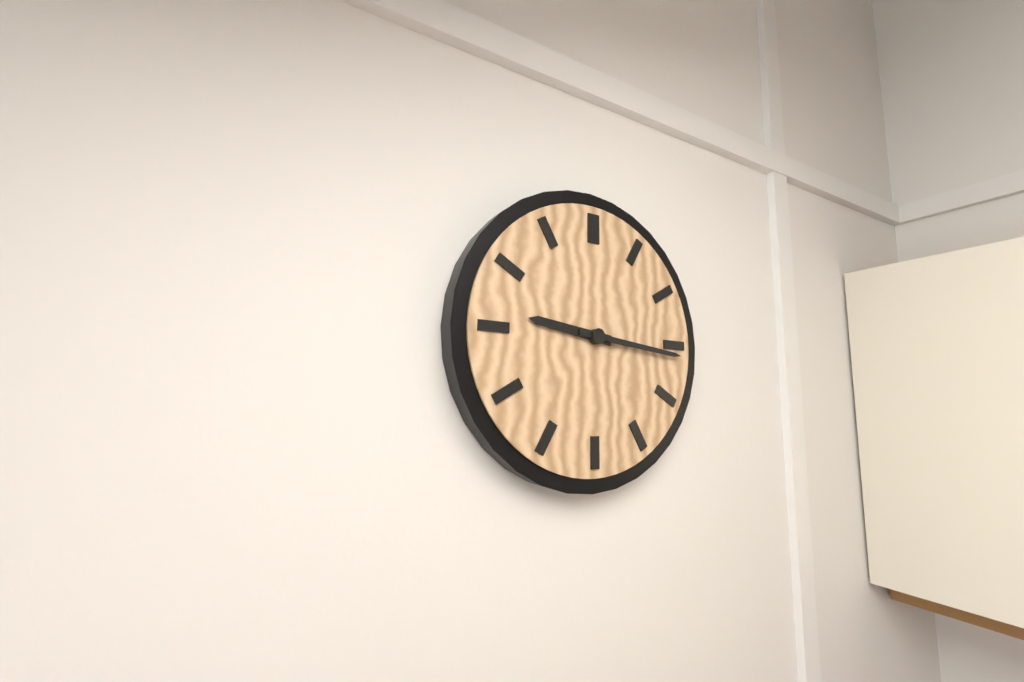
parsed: **9:16**
